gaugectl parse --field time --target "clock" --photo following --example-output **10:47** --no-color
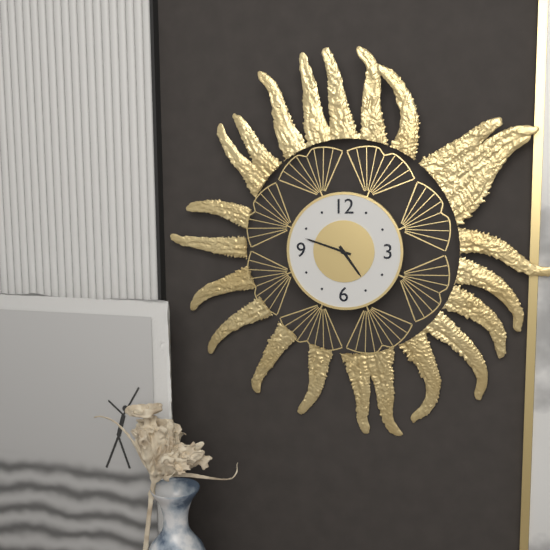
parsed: **4:48**
